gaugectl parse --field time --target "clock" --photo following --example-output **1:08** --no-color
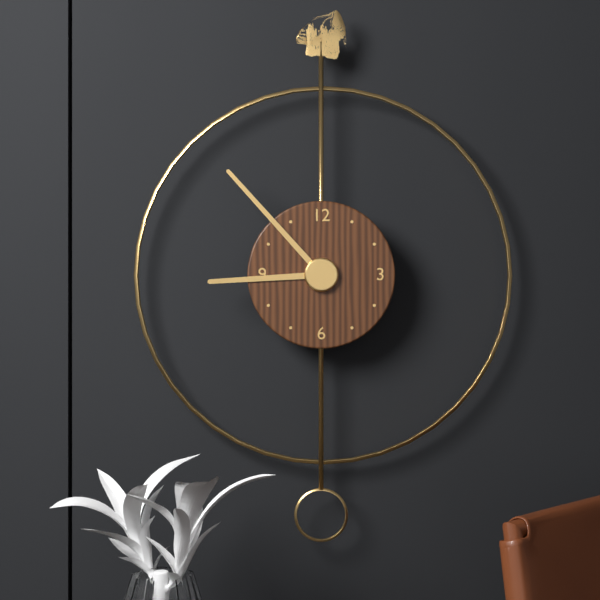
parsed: **8:53**
